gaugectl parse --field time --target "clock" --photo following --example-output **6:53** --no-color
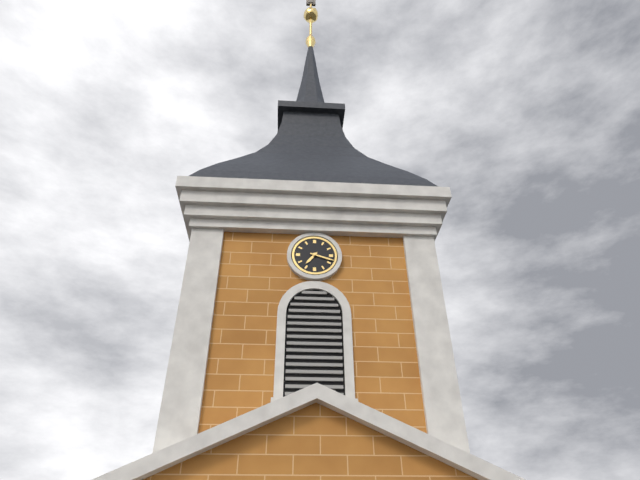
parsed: **7:18**
